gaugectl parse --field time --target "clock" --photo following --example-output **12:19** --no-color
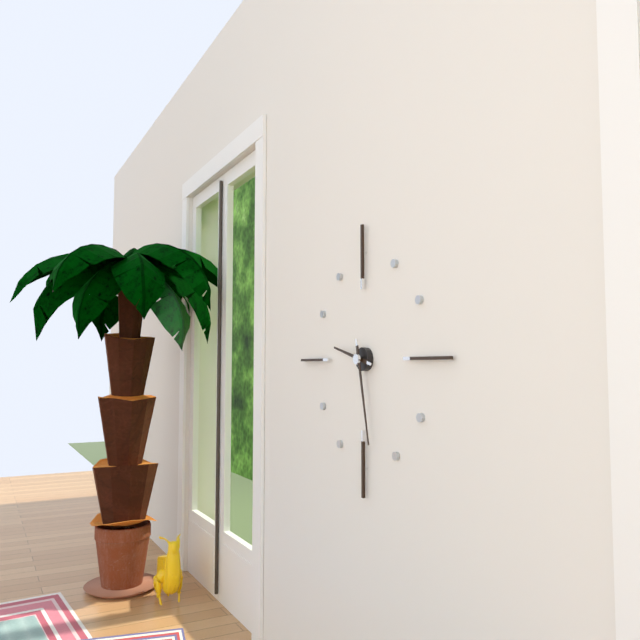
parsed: **9:28**
